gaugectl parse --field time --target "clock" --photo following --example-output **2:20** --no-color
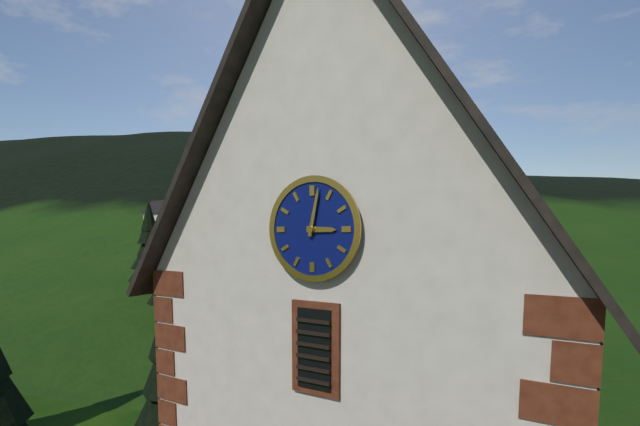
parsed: **3:02**
